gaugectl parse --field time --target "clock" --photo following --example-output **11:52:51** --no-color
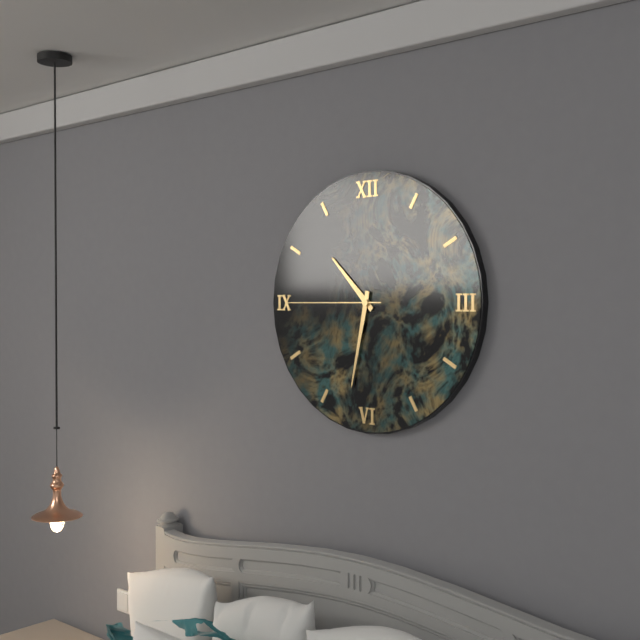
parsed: **10:32:45**
